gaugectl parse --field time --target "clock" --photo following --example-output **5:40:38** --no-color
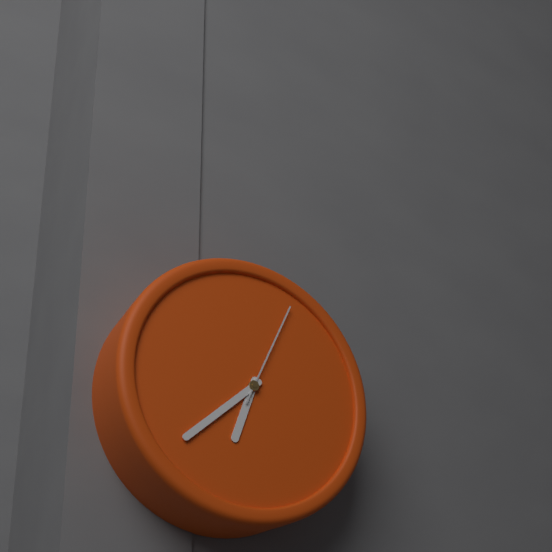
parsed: **6:38:04**
